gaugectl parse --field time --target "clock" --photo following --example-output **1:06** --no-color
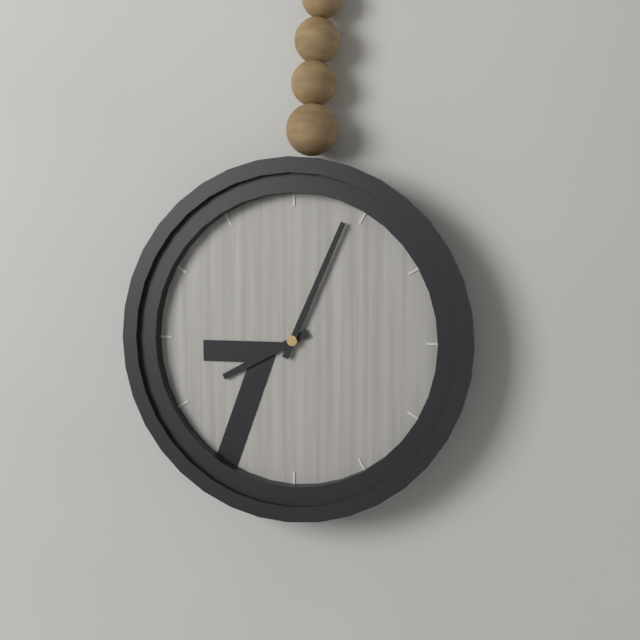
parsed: **8:04**
